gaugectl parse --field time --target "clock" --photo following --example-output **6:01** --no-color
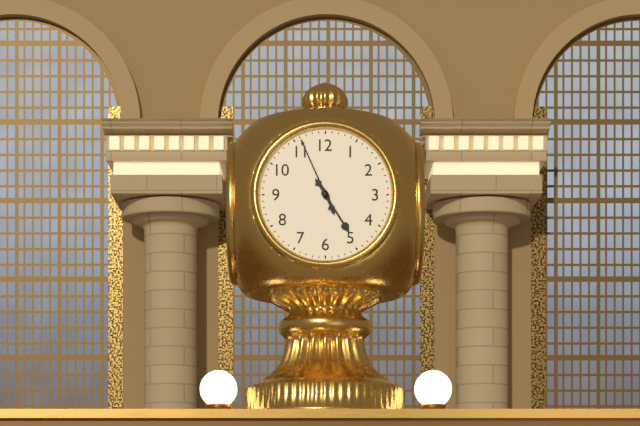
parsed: **4:56**
